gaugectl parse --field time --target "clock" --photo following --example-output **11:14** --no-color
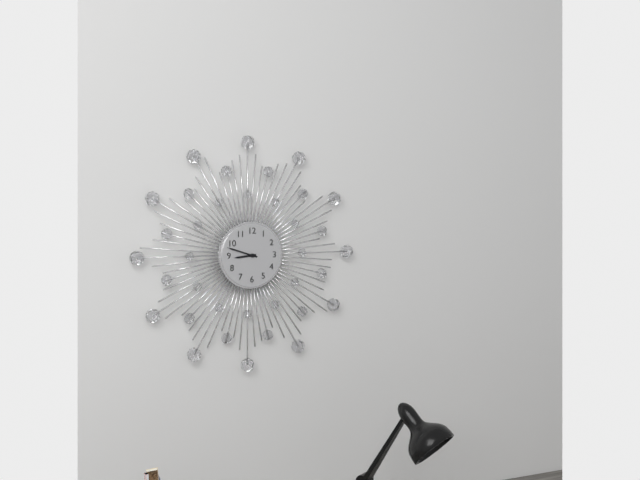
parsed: **8:48**
